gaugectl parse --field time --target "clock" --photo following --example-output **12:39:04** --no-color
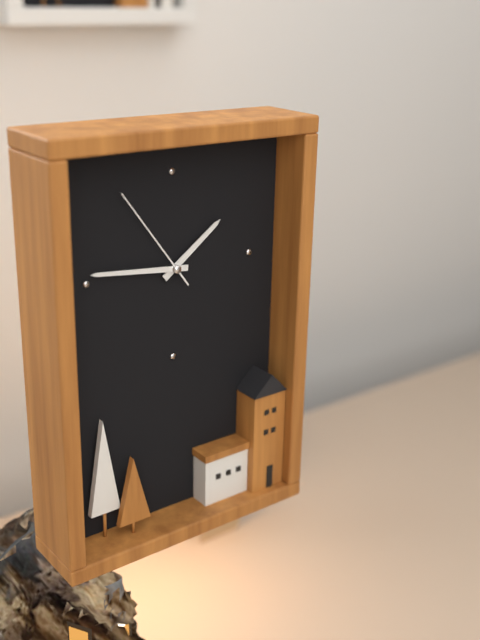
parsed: **1:46:54**
